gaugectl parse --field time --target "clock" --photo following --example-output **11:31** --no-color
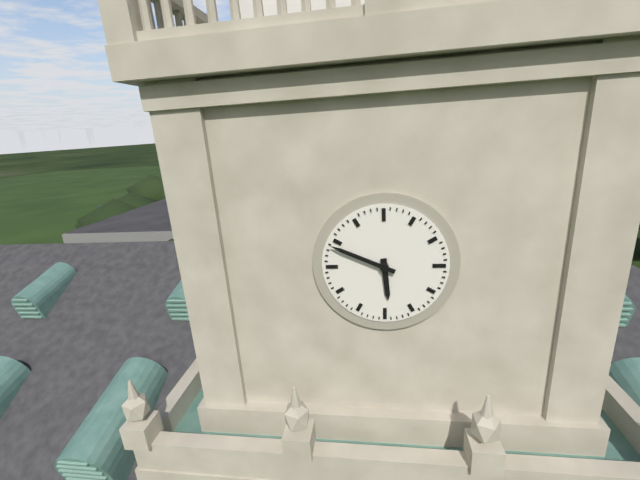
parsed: **5:49**
